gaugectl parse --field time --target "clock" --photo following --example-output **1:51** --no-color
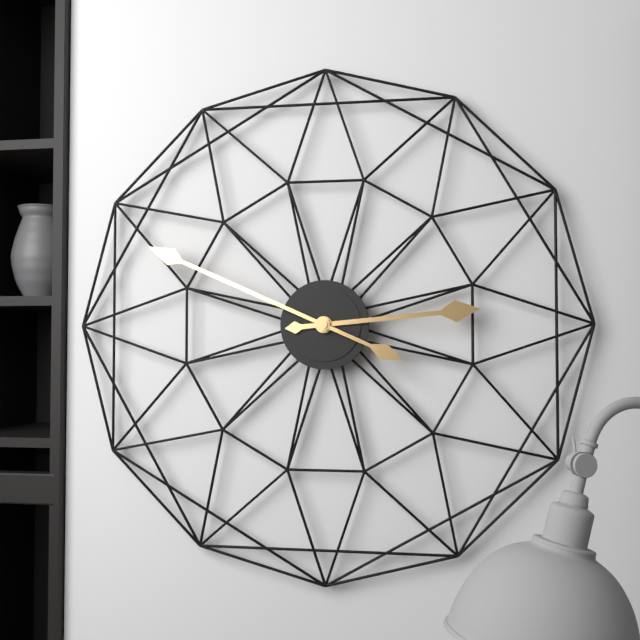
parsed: **2:49**
